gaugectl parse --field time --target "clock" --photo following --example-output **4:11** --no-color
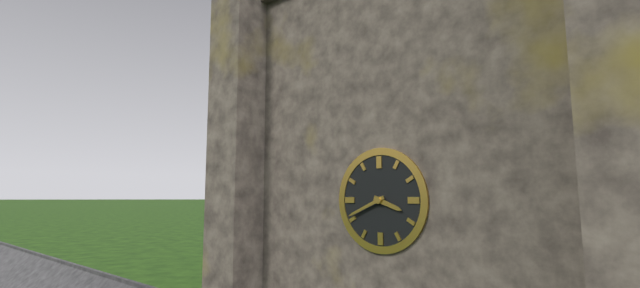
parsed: **3:41**
